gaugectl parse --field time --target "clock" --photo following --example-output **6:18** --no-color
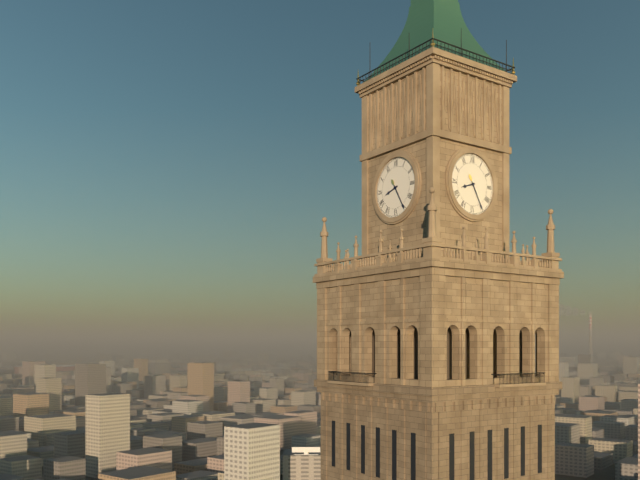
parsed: **8:25**
